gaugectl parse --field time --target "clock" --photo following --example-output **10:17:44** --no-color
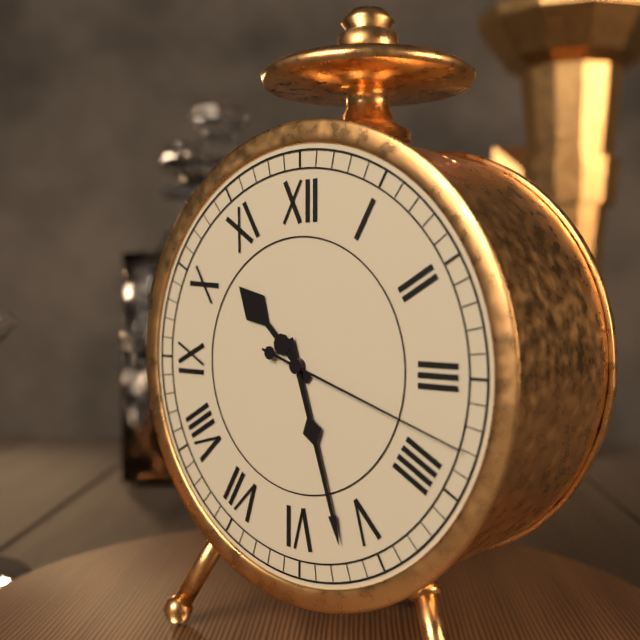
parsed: **10:27:18**
